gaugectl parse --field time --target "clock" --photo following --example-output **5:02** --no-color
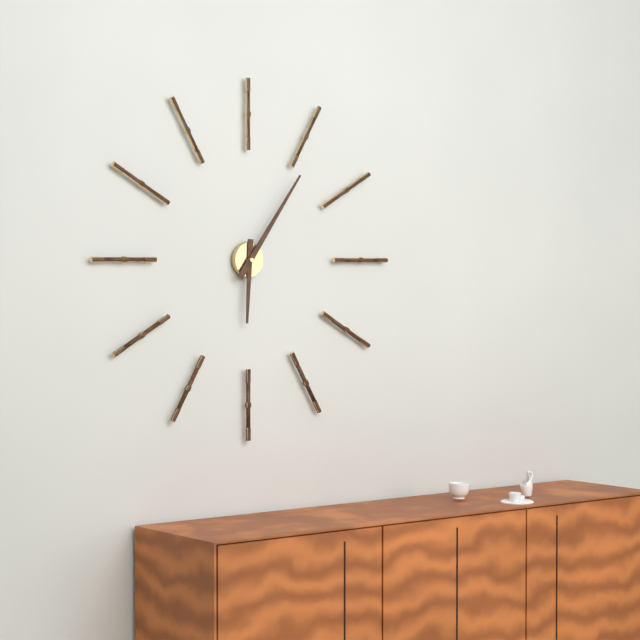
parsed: **6:06**
